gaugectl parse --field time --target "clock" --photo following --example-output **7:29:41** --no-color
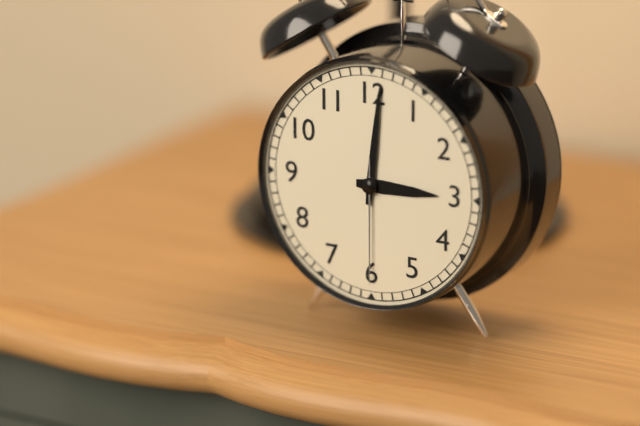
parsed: **3:01:30**
